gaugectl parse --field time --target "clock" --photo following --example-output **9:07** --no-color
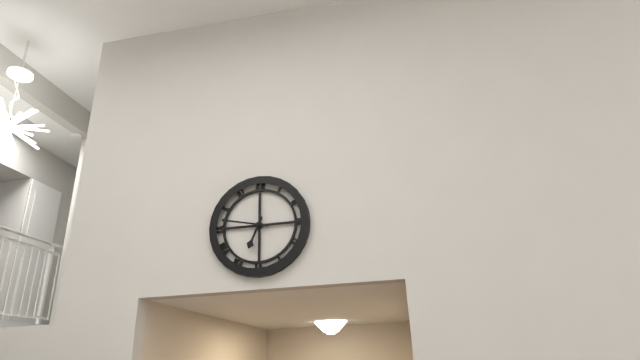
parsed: **6:47**
